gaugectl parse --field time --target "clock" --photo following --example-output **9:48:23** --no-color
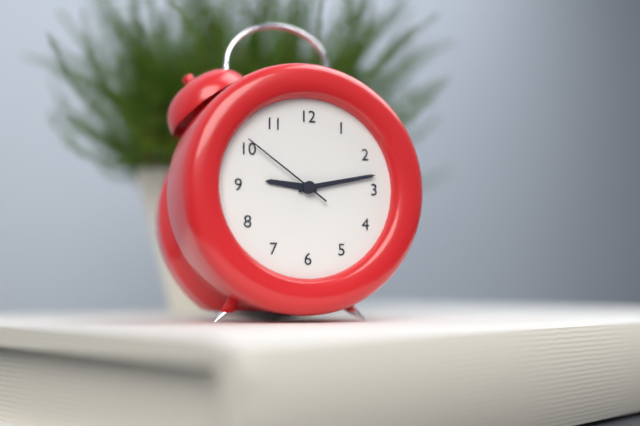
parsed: **9:13:51**
